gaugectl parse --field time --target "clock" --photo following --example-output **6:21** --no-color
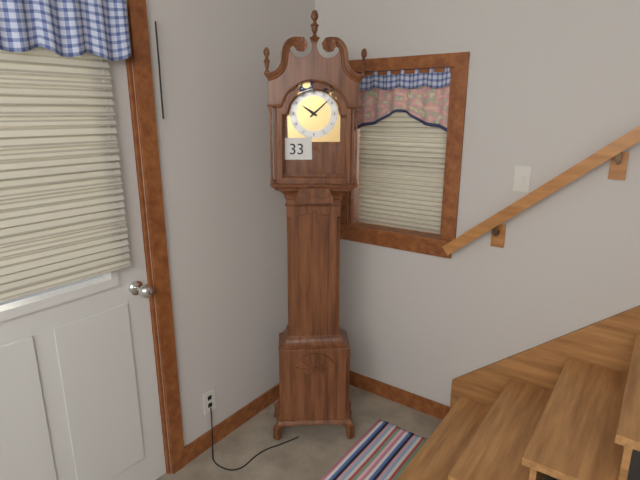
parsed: **10:08**
